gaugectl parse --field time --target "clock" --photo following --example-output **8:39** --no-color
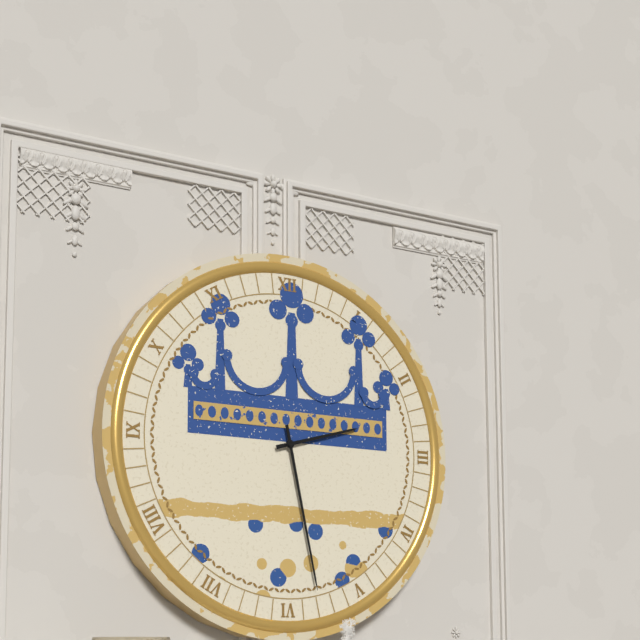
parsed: **2:28**
